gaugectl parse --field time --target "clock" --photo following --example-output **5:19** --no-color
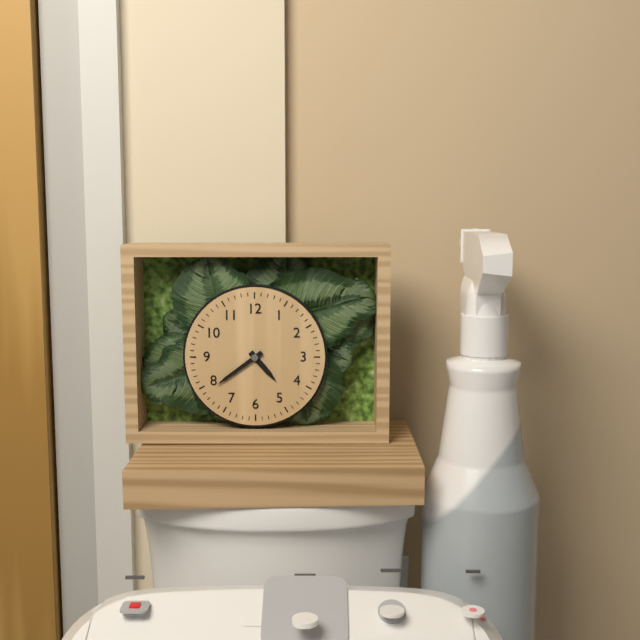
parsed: **4:39**
